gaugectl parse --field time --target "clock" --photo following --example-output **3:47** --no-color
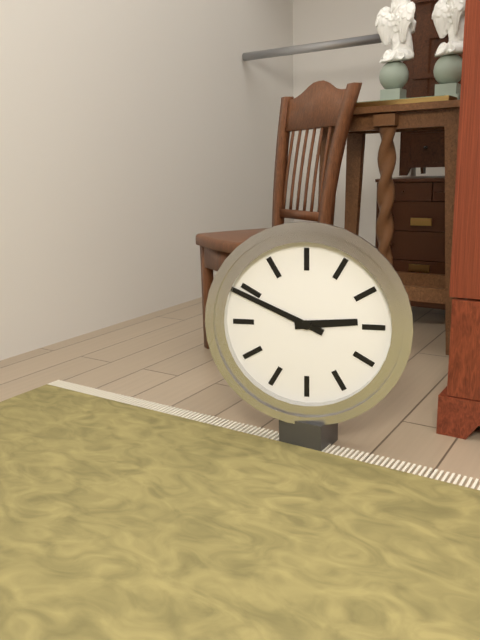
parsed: **2:49**
